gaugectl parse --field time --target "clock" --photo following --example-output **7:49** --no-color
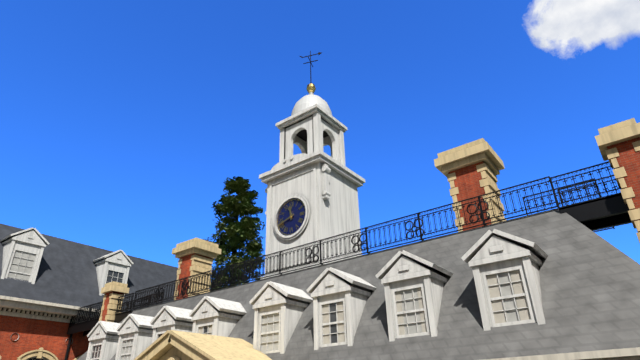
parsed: **11:42**
